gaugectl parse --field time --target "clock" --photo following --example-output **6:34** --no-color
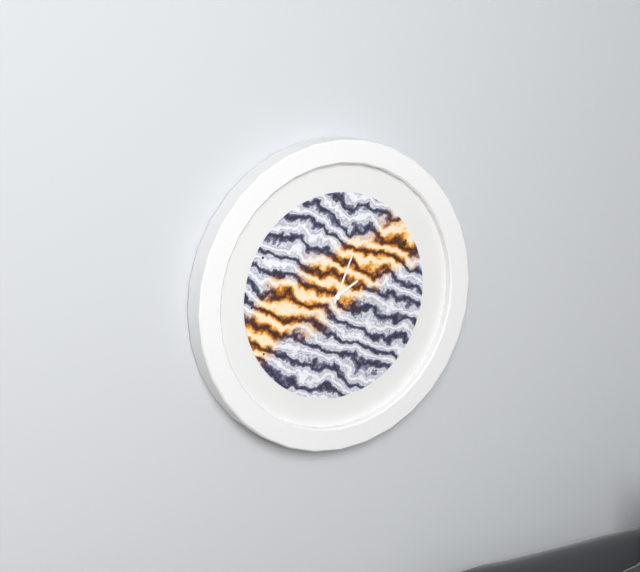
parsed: **2:04**
